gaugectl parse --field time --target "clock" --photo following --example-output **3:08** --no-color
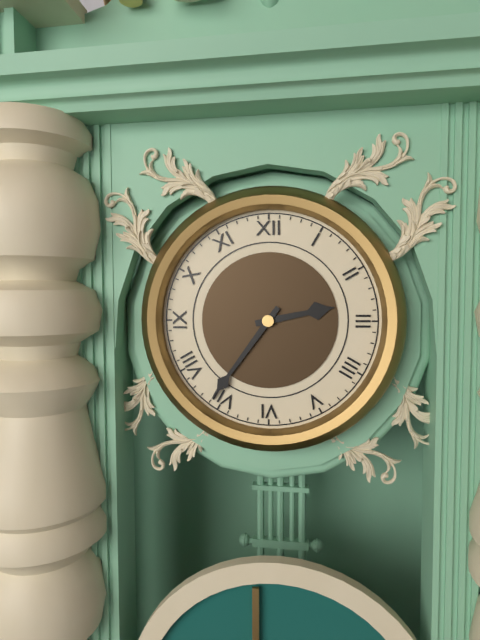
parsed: **2:36**
